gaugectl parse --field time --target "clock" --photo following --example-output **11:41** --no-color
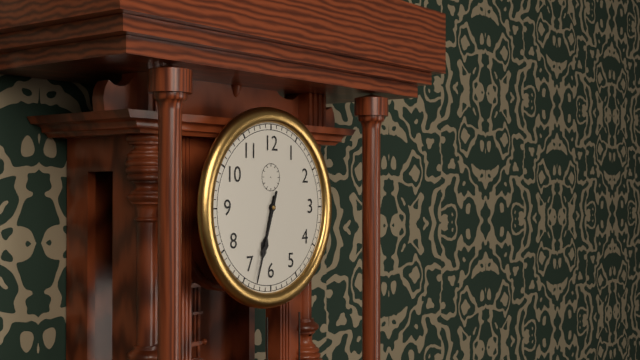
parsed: **6:33**
